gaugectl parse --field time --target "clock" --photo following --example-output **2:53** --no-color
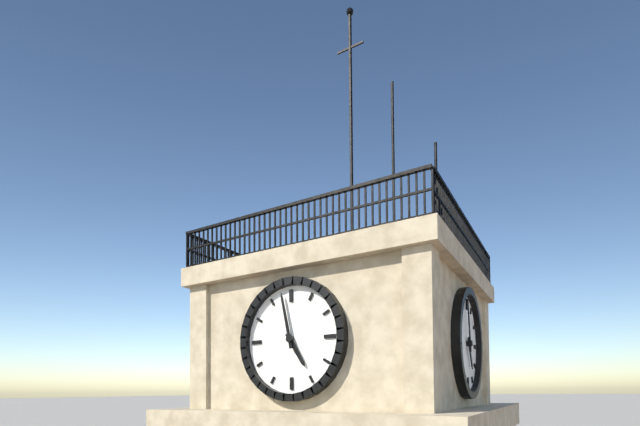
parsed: **4:58**
